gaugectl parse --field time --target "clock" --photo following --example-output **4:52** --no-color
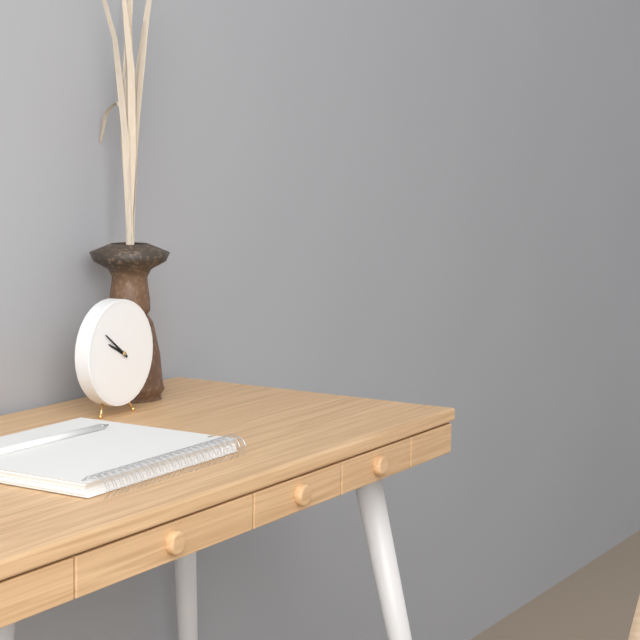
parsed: **9:51**
